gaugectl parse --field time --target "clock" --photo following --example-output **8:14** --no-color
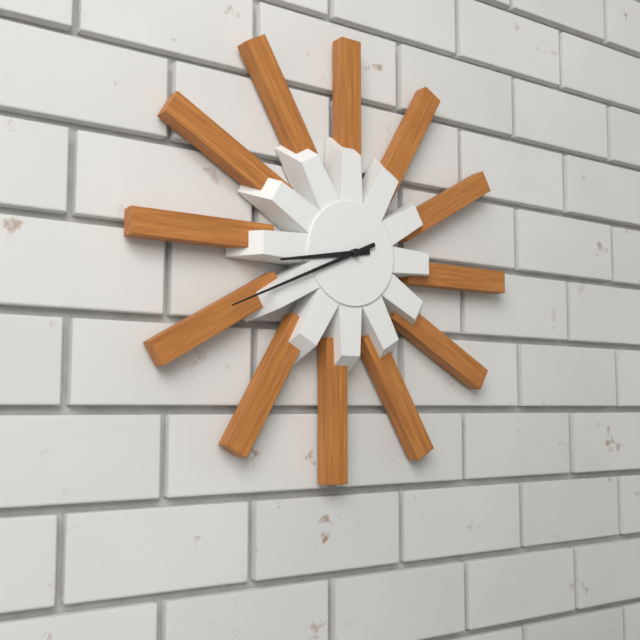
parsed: **8:41**
